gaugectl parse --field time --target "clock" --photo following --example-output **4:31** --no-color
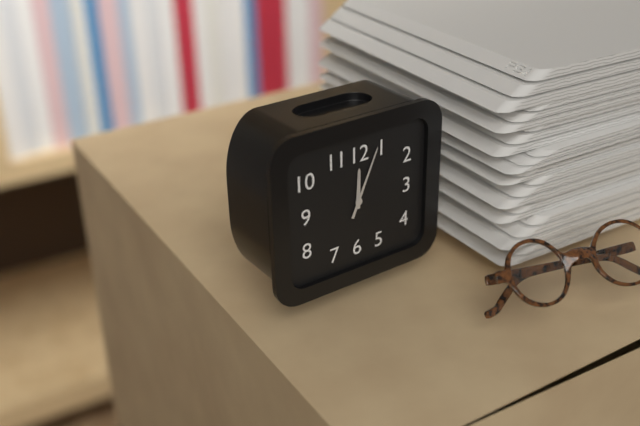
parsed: **12:04**
